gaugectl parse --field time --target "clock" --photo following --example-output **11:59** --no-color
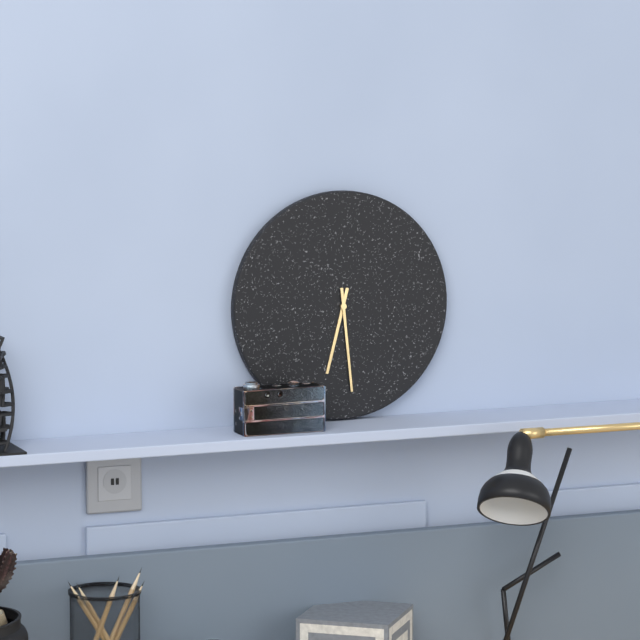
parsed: **6:29**
